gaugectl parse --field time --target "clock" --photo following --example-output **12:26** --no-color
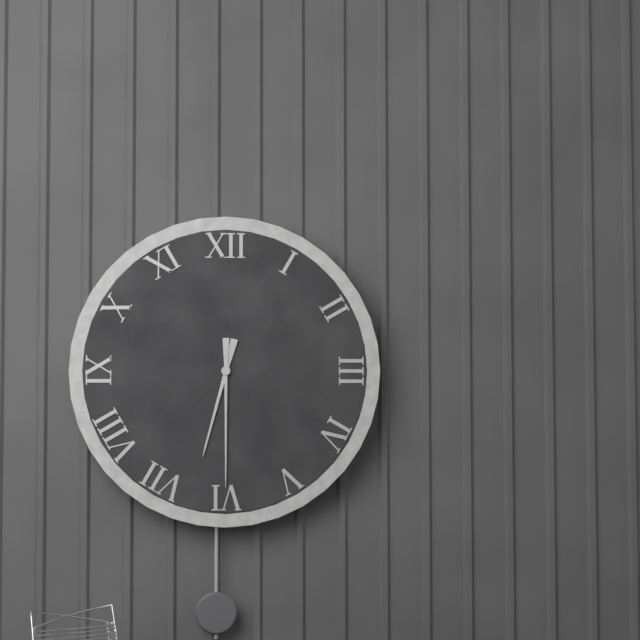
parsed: **6:30**
